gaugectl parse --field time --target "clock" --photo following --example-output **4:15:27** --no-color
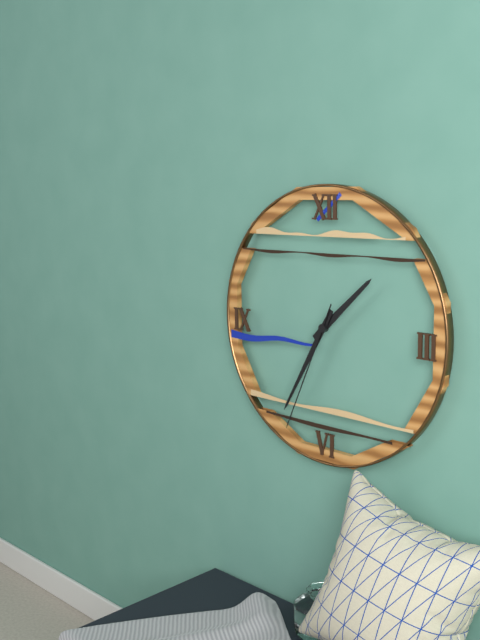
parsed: **1:35:34**
